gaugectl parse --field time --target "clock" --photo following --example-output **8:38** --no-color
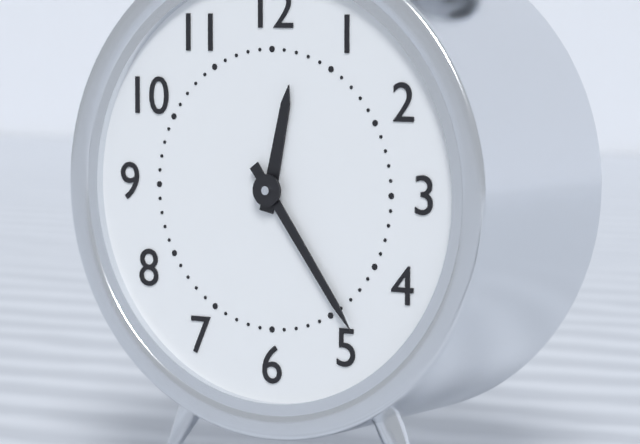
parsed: **12:24**
